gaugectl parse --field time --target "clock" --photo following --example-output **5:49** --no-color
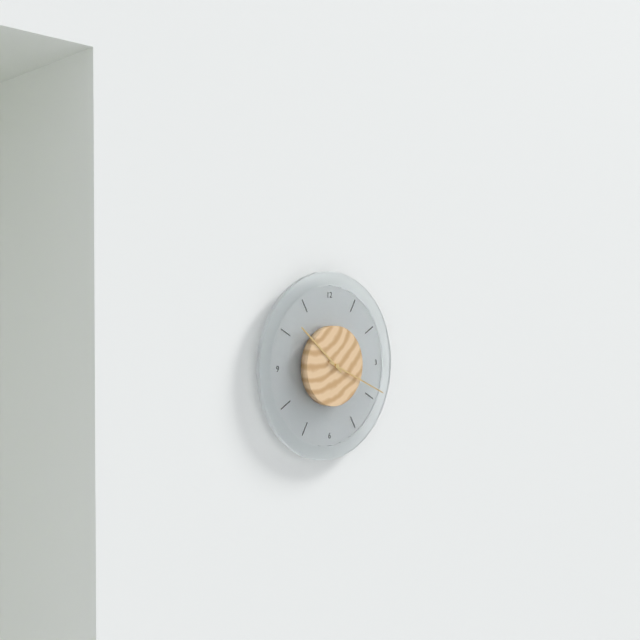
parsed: **10:19**
